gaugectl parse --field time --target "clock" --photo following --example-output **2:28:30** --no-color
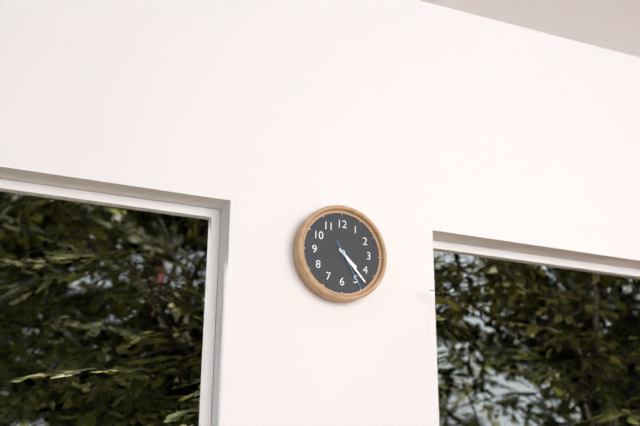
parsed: **4:23:25**
